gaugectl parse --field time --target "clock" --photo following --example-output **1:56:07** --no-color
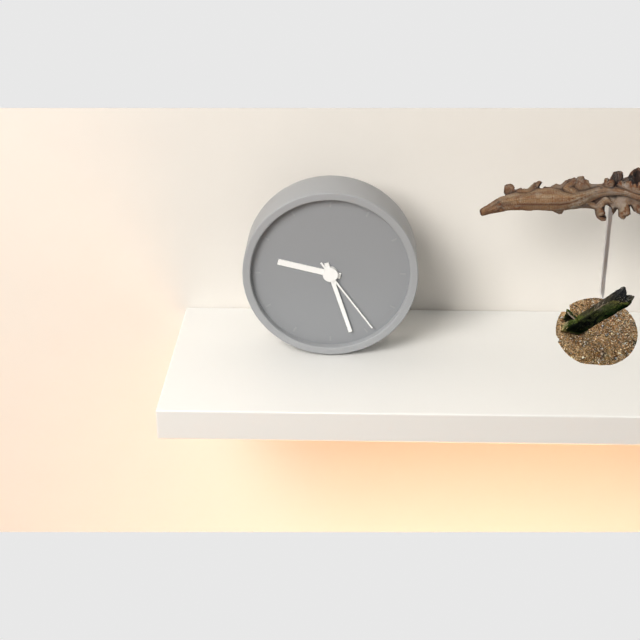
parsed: **9:27:24**
